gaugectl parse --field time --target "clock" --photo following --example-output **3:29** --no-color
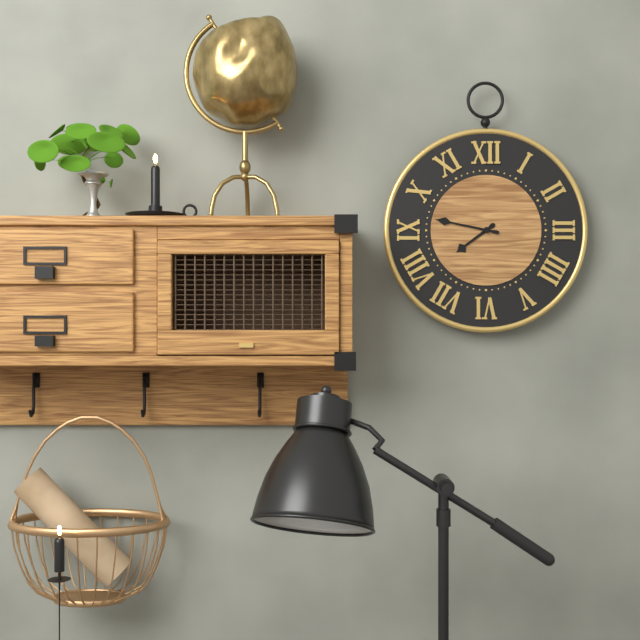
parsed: **7:47**
